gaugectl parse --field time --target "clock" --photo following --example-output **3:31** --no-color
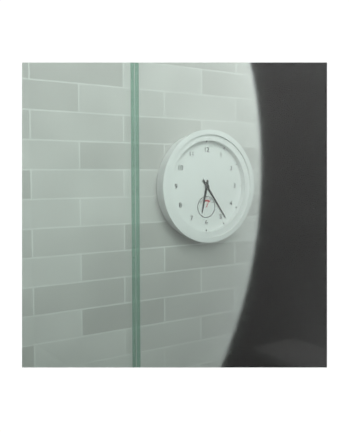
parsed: **6:24**
